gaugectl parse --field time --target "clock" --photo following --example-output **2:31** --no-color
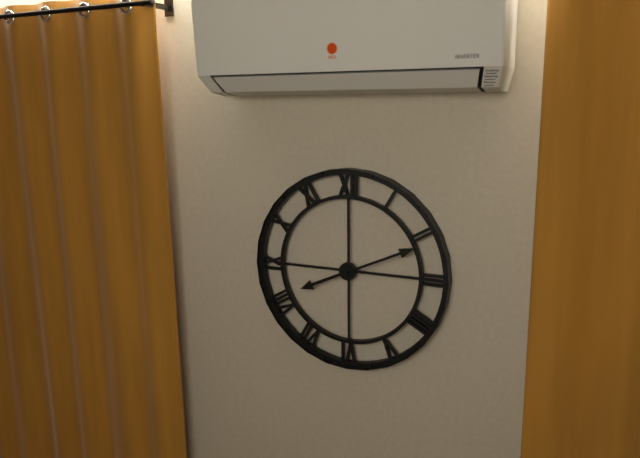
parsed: **8:11**
